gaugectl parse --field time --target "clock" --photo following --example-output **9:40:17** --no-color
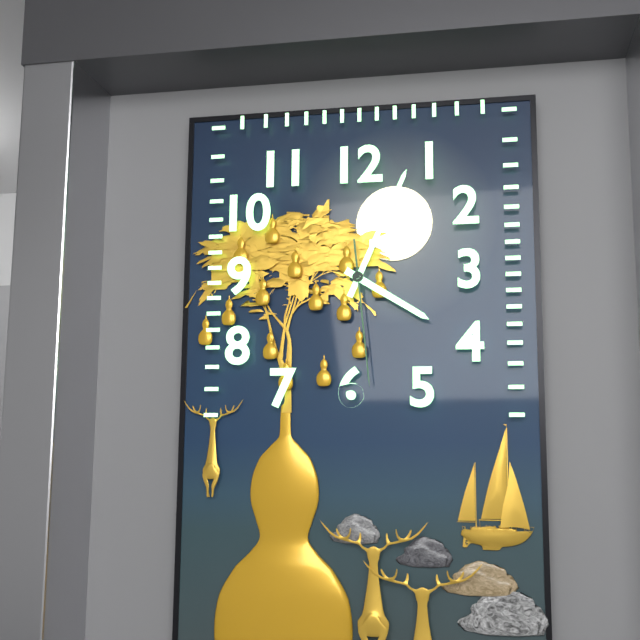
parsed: **4:04:29**
